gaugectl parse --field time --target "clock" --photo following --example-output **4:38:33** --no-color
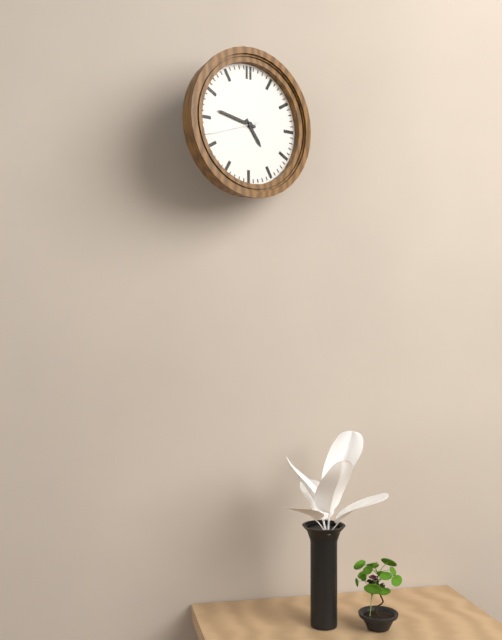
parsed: **4:47:42**
